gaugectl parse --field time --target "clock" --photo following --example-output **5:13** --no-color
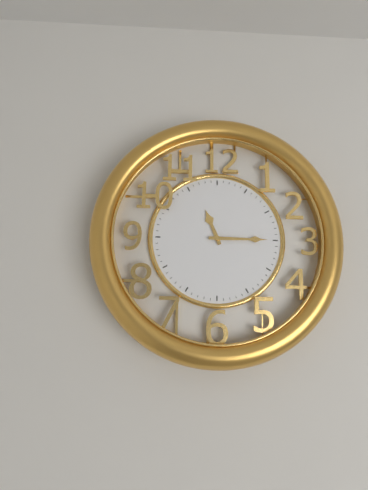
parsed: **11:15**
